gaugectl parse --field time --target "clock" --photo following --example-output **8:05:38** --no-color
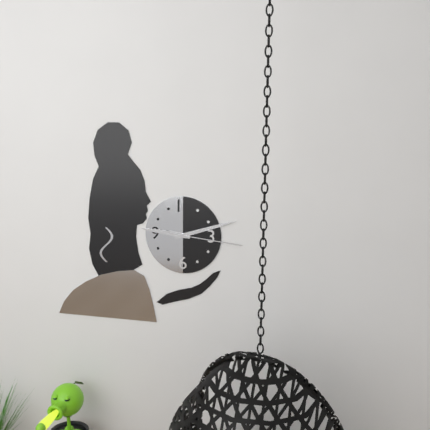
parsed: **9:12:16**
